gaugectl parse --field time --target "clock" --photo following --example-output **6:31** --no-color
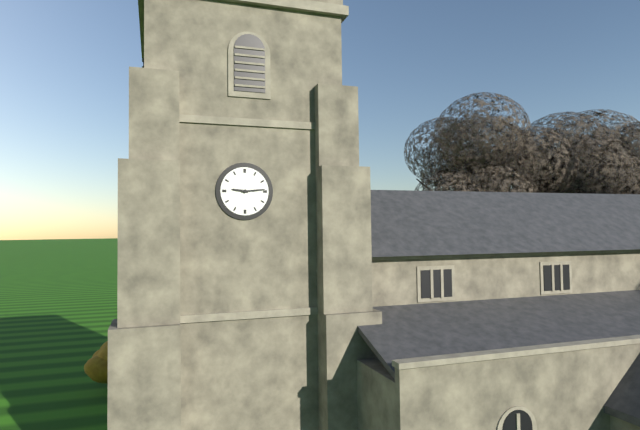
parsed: **9:14**
